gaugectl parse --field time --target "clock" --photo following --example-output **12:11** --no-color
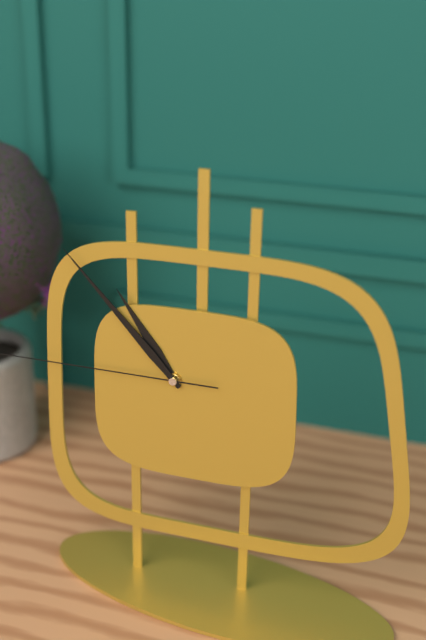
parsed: **10:53**
